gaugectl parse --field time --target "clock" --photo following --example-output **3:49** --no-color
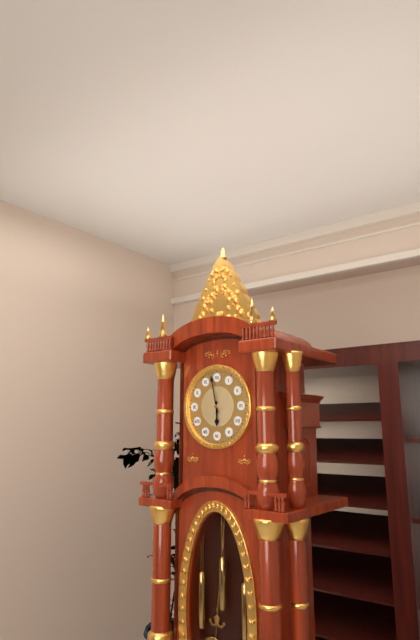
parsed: **5:58**
